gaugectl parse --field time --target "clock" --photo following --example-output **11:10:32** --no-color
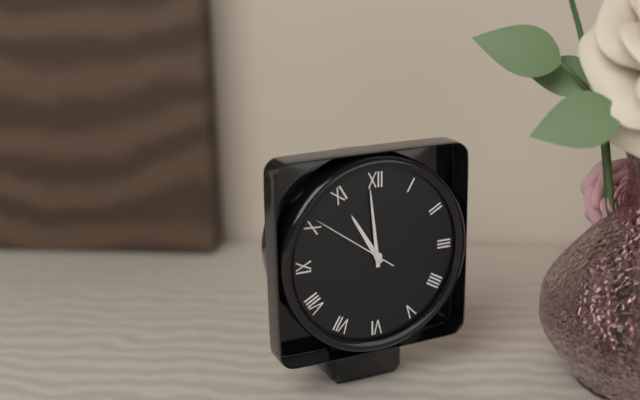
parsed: **10:59:51**
